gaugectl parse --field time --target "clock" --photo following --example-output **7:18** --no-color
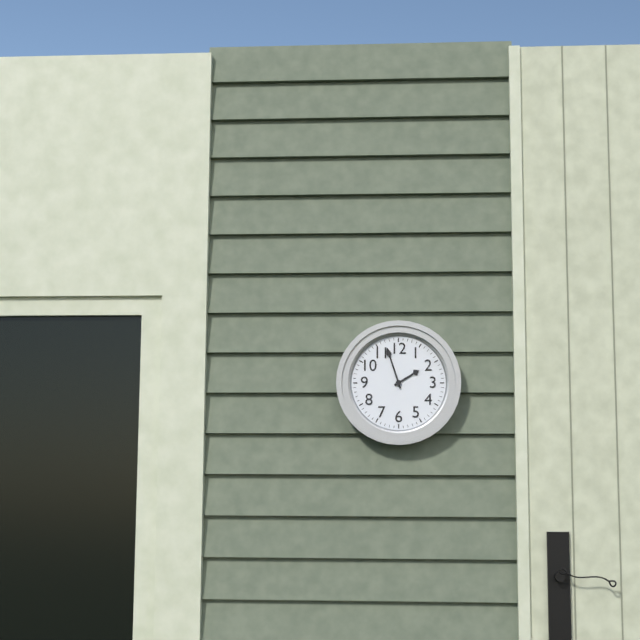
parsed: **1:57**
